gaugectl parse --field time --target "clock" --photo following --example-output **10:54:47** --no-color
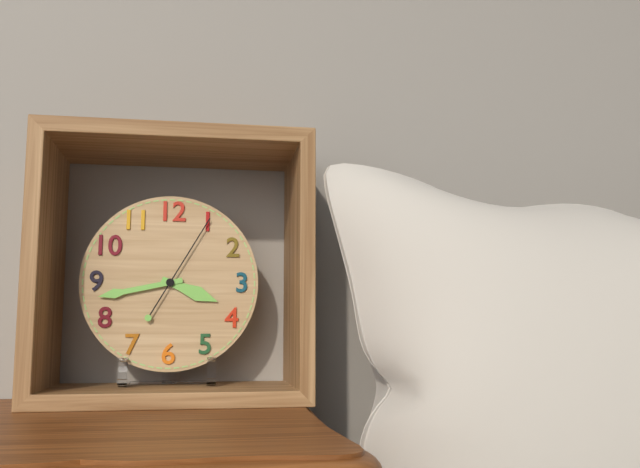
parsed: **3:43:05**
